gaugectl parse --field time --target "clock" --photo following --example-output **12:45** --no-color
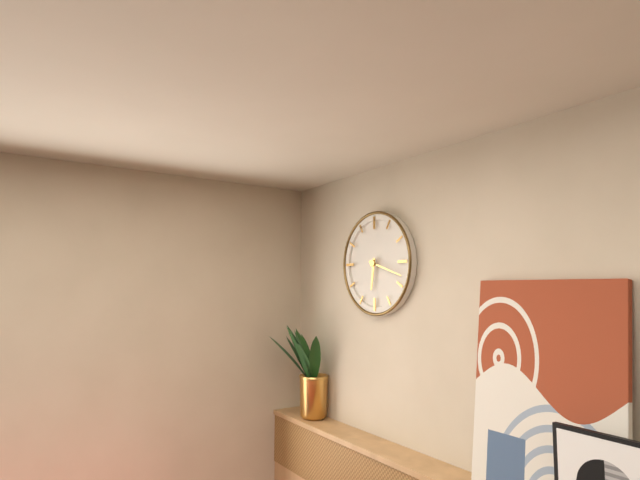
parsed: **6:18**
